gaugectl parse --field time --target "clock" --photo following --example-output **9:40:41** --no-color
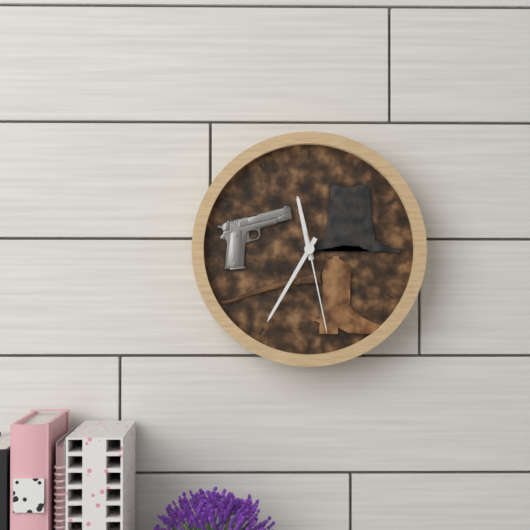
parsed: **11:35:28**
